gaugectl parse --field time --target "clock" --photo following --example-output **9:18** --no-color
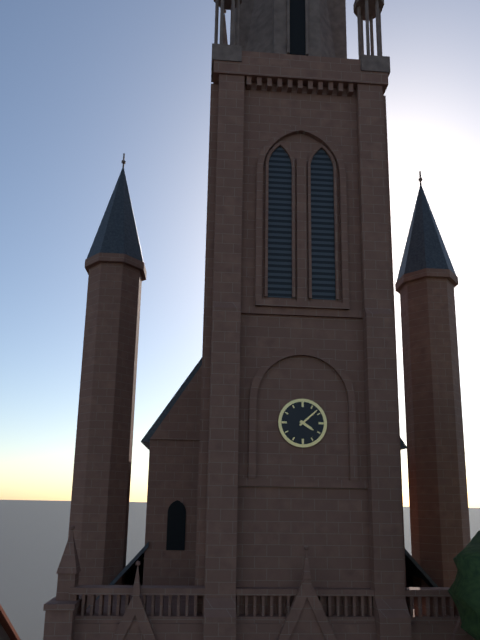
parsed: **4:08**
